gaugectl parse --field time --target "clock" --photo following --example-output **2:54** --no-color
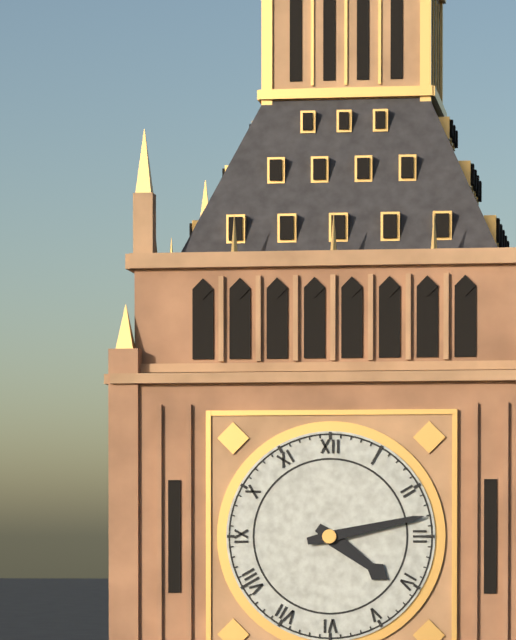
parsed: **4:13**
